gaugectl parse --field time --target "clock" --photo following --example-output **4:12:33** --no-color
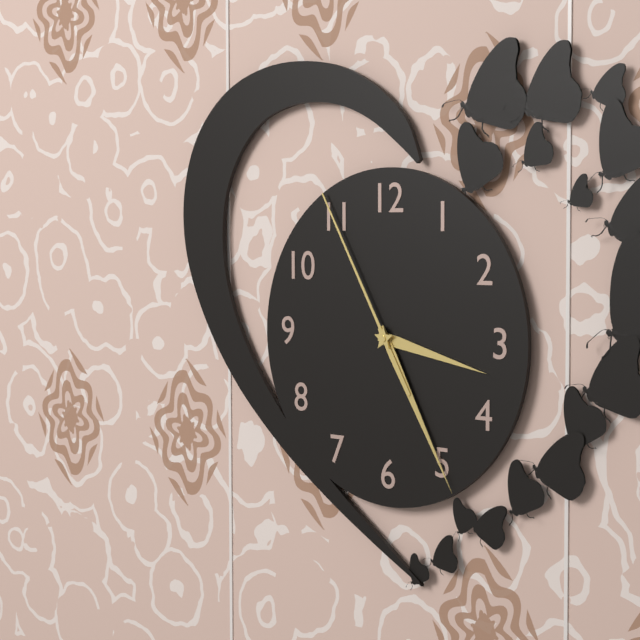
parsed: **3:25:55**
